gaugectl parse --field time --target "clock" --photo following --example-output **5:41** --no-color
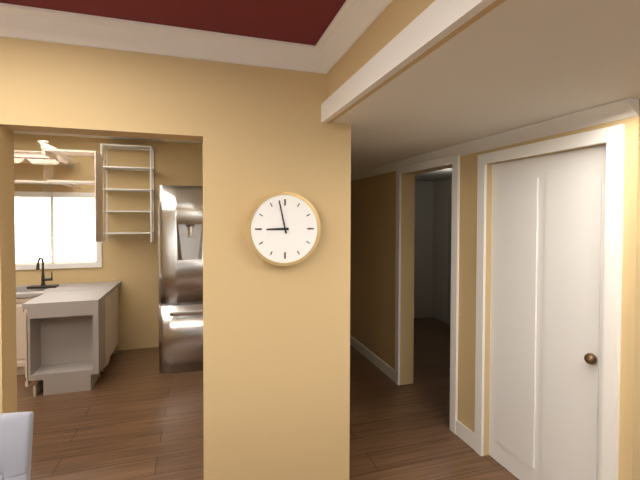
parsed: **8:58**
